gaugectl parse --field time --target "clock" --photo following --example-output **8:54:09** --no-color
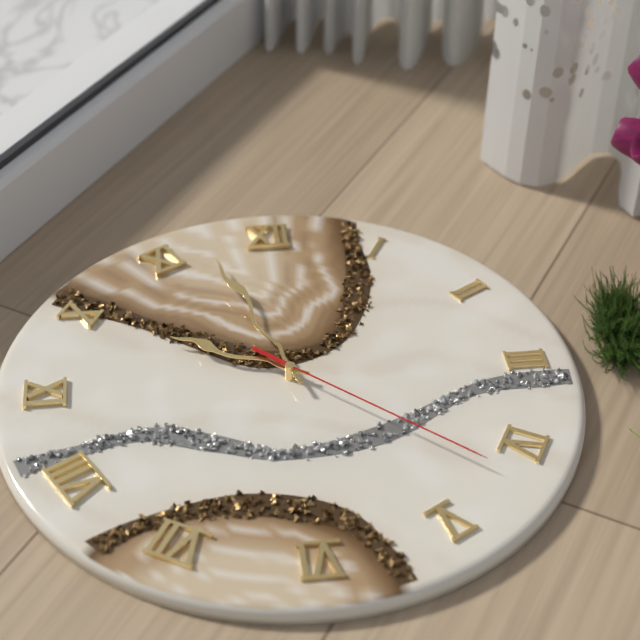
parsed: **9:57:22**
